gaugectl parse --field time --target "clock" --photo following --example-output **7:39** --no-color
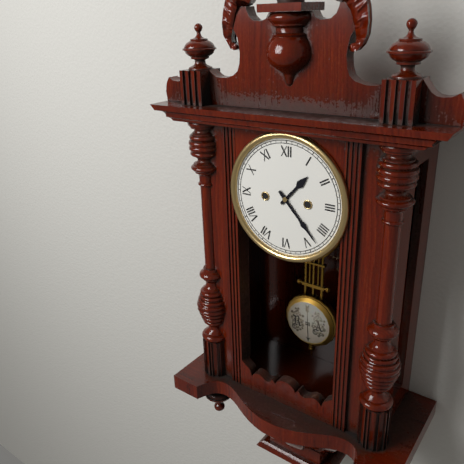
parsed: **1:23**
